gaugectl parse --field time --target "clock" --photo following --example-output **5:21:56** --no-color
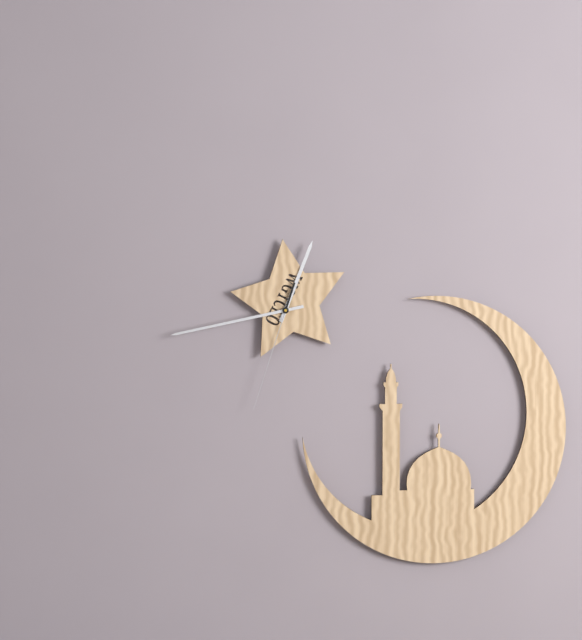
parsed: **12:43:33**
